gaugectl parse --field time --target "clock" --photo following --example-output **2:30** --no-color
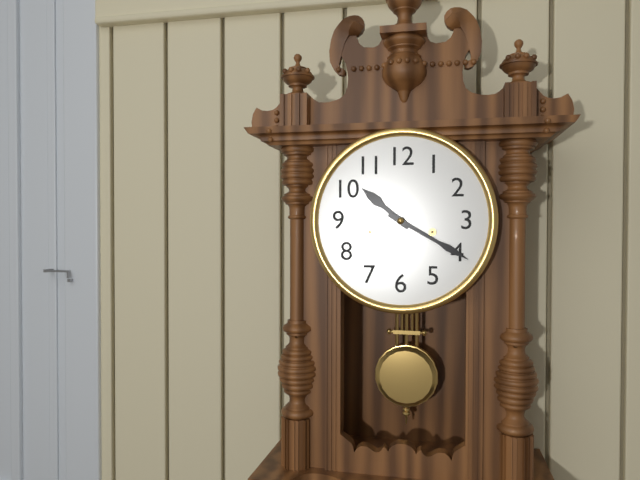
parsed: **10:20**
